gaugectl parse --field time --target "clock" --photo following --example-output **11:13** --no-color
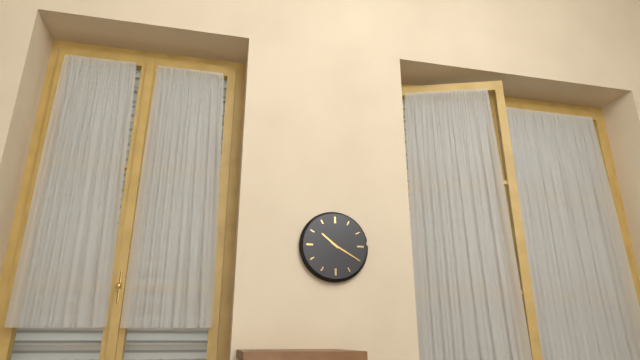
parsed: **10:20**
